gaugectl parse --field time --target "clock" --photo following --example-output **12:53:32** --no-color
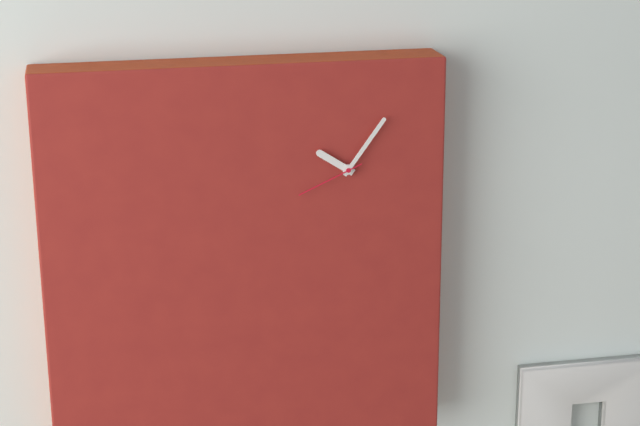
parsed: **10:06:41**
